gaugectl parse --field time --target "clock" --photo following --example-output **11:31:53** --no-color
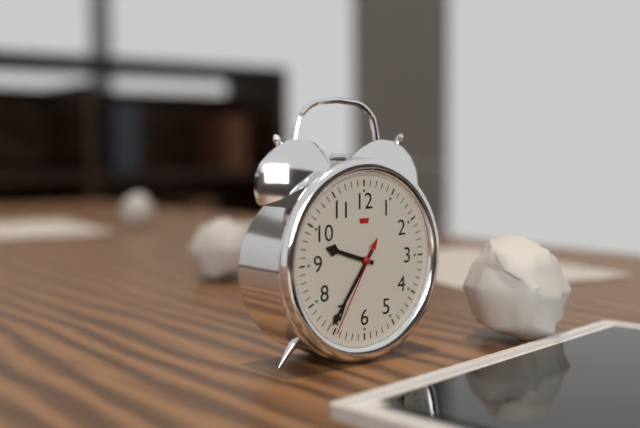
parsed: **9:36:35**
